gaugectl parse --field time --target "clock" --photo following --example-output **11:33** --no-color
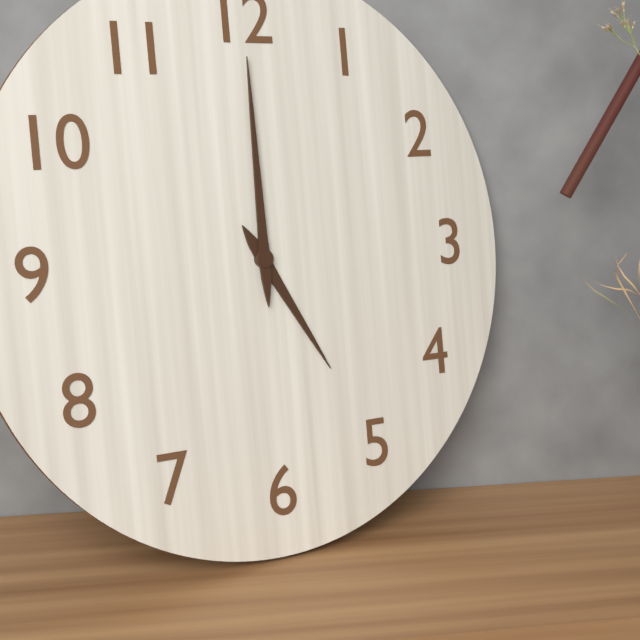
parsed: **5:00**
